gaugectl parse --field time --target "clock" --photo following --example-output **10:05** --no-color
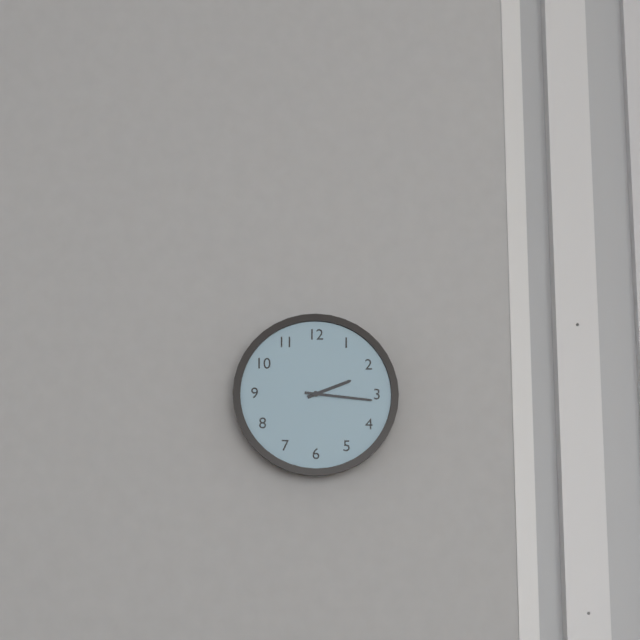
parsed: **2:16**
